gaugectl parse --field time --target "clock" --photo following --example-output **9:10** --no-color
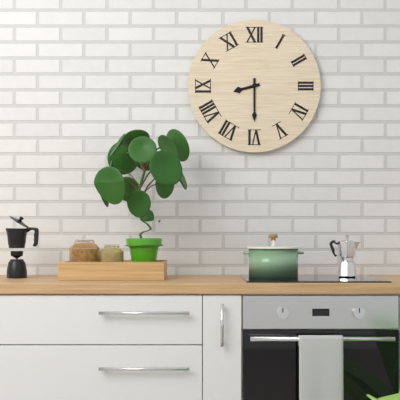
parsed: **8:30**
